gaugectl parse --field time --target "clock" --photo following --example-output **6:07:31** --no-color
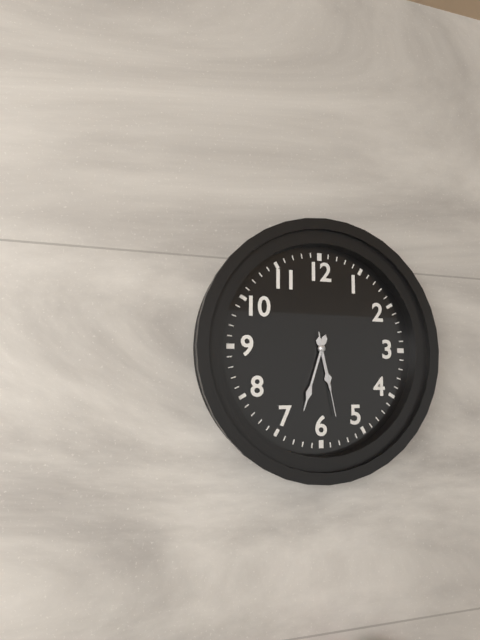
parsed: **5:33:28**
